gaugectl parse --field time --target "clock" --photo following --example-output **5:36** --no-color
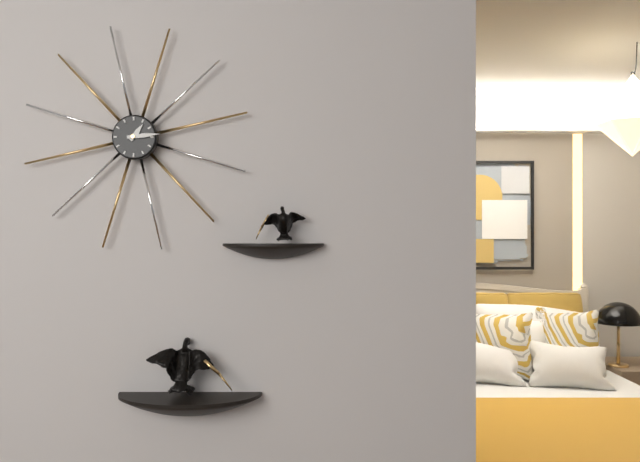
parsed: **1:14**
